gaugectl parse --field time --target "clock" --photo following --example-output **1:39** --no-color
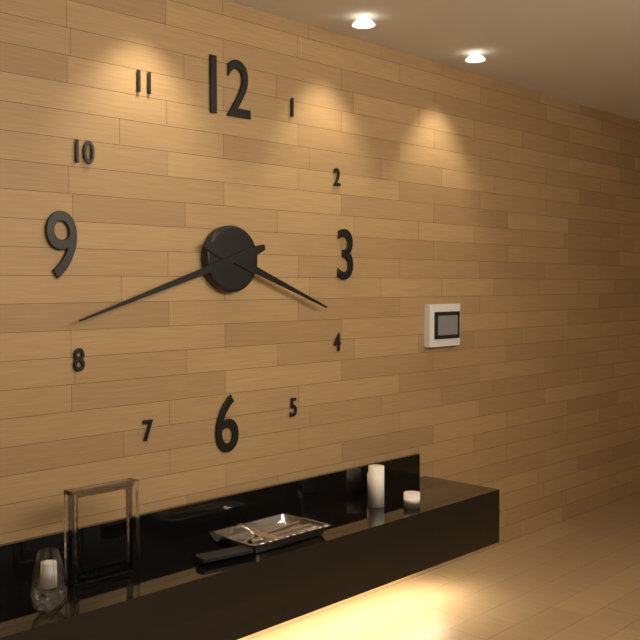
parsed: **3:42**
